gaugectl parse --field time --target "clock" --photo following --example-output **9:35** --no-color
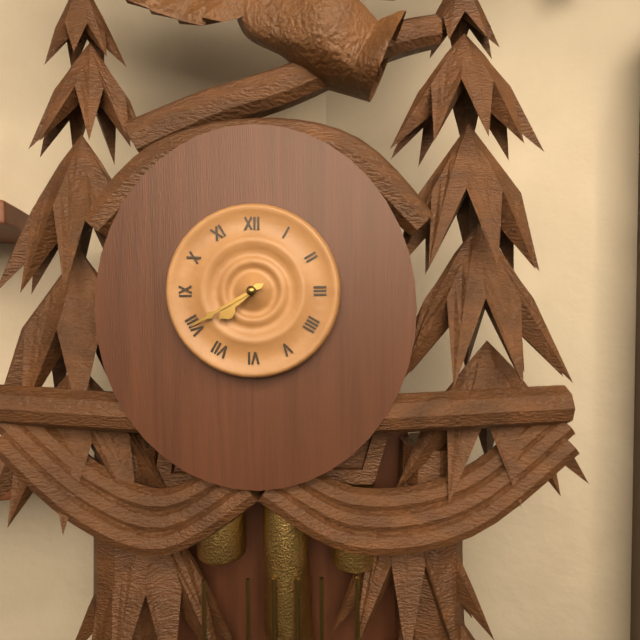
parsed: **7:40**
